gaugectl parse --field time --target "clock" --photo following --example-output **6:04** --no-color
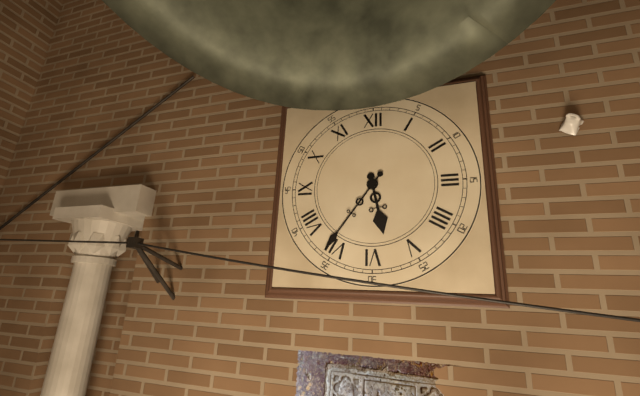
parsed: **5:36**
